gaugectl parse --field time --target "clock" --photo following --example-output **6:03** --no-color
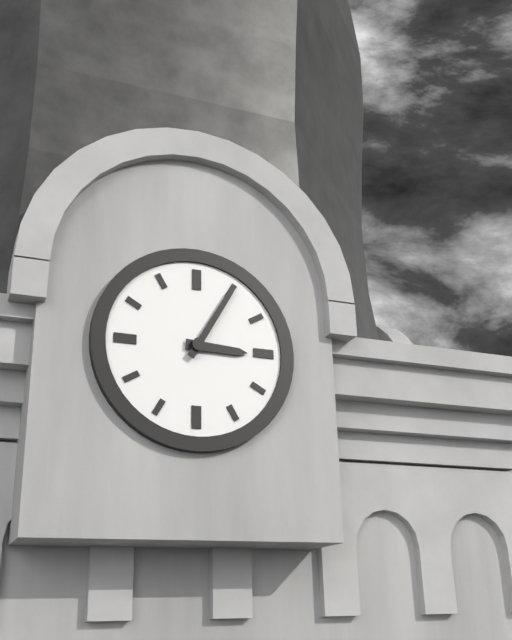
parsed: **3:05**
